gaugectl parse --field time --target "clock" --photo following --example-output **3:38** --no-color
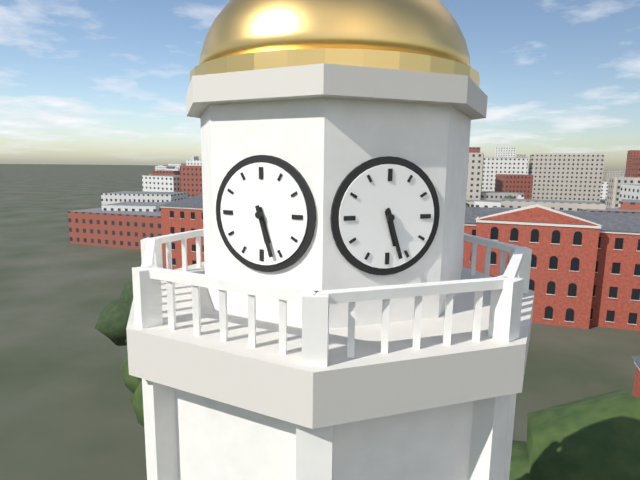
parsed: **5:27**
